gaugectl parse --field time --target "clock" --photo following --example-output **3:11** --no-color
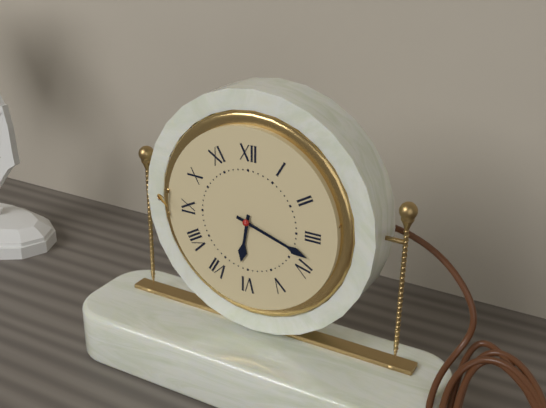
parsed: **6:18**
